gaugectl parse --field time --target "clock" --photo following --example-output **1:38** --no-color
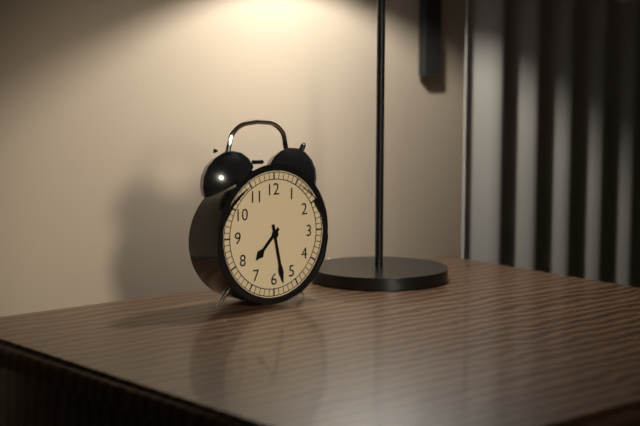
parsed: **7:28**
